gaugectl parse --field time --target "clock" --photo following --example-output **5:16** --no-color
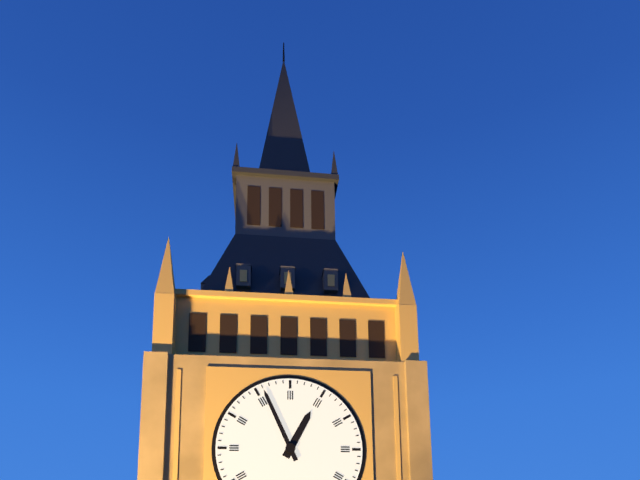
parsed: **12:56**
